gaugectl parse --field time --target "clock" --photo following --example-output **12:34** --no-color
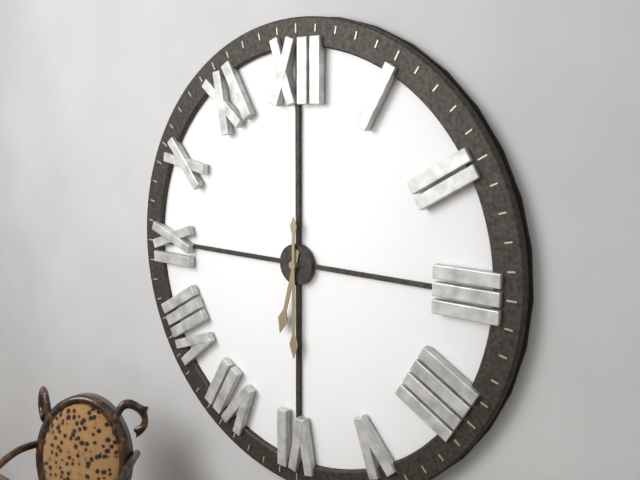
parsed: **6:30**
